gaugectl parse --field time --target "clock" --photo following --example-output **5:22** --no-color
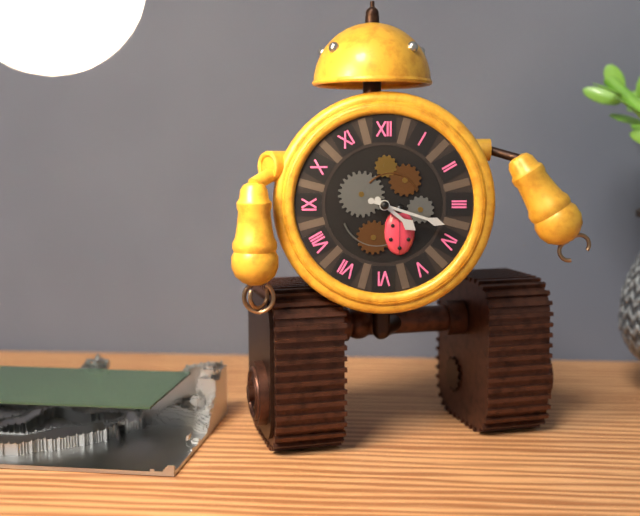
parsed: **4:18**
